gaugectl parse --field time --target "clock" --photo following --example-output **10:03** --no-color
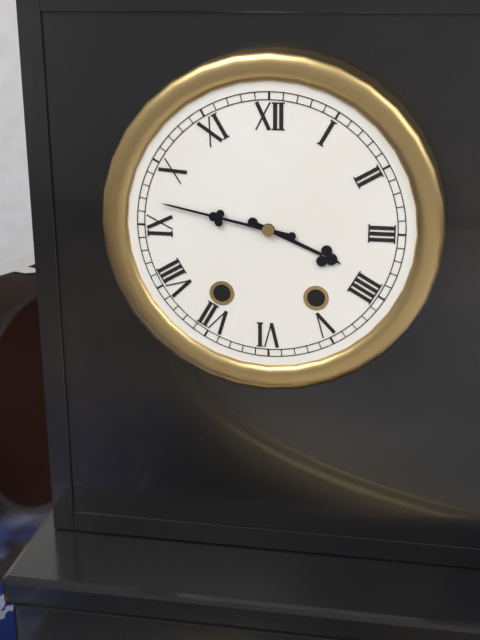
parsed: **3:47**
